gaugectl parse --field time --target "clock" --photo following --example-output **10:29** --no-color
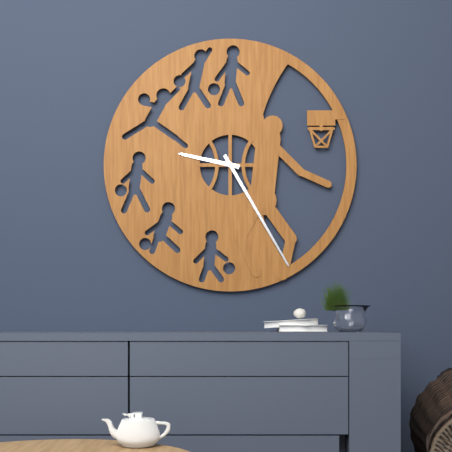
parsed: **9:25**
